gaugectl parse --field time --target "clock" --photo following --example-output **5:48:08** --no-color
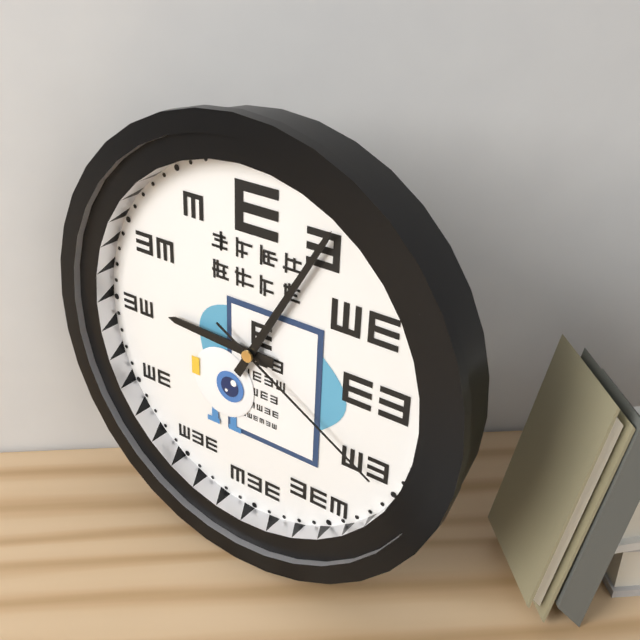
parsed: **9:05:20**
